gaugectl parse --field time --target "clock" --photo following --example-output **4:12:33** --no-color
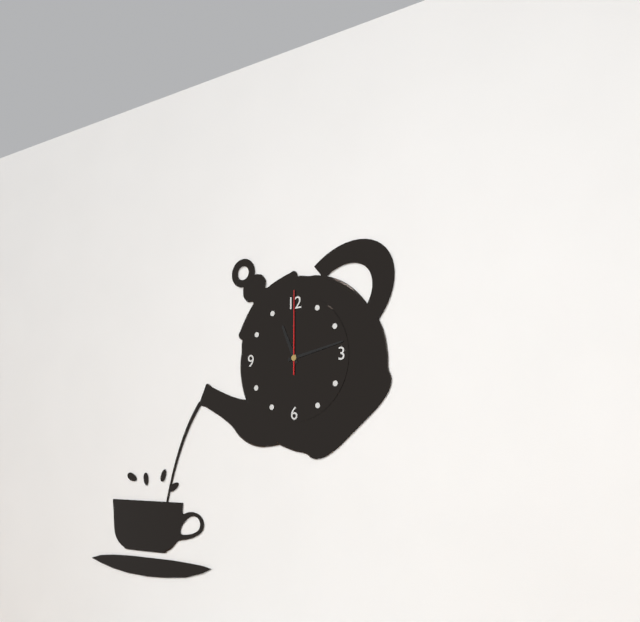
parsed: **11:13:00**
